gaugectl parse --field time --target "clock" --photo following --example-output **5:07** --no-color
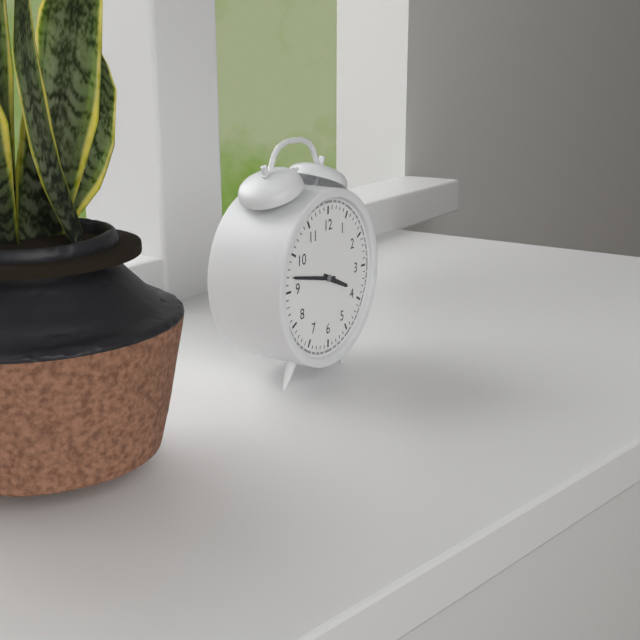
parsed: **3:47**
